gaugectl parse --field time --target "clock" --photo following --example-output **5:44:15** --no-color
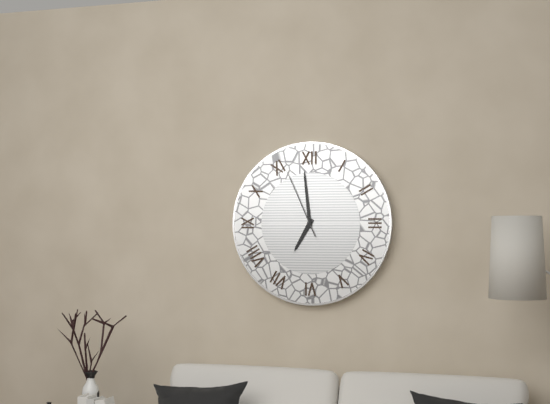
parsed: **6:59:56**
